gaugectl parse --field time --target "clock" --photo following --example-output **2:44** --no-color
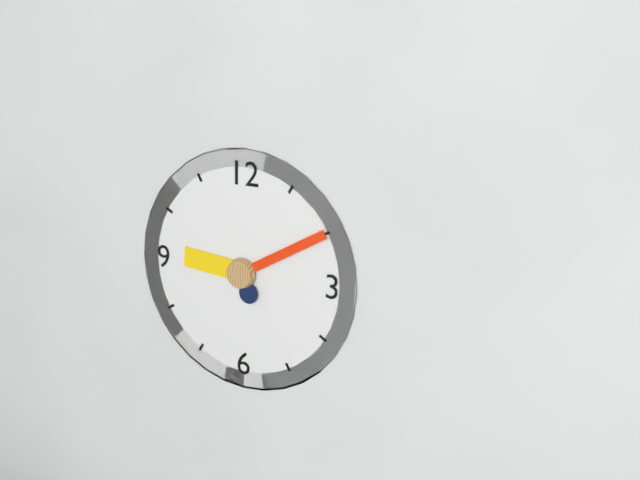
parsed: **9:10**
